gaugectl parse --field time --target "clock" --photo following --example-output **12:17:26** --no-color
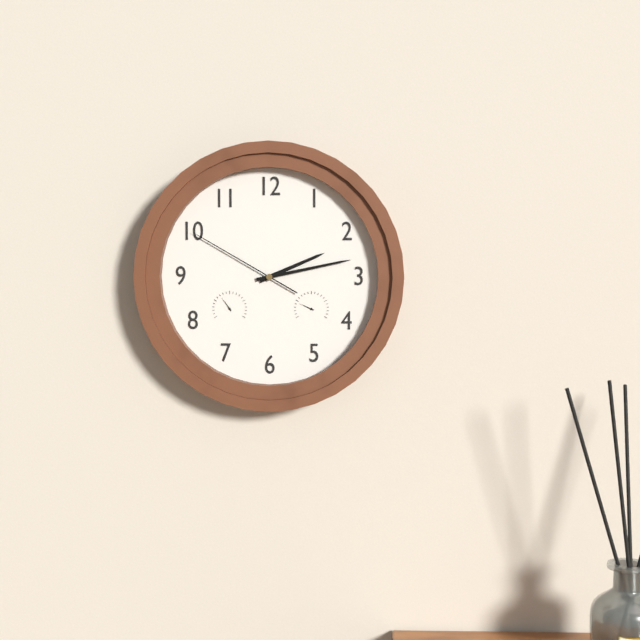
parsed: **2:13:50**
